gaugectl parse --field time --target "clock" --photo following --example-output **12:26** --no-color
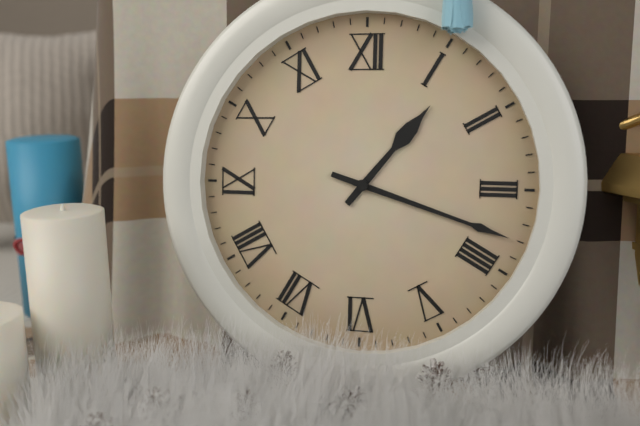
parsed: **1:18**
